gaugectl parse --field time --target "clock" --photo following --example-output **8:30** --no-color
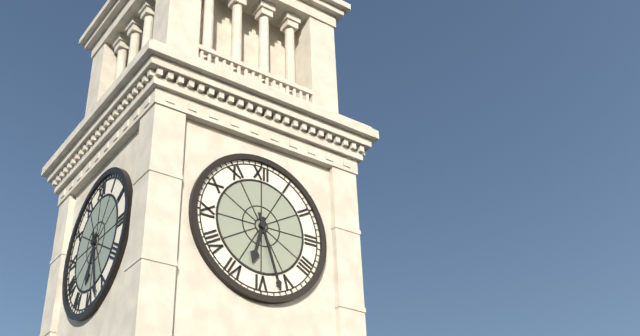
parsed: **6:27**
